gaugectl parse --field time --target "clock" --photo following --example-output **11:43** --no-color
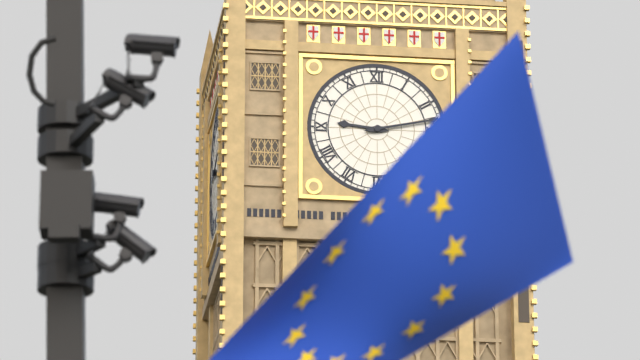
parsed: **9:13**
